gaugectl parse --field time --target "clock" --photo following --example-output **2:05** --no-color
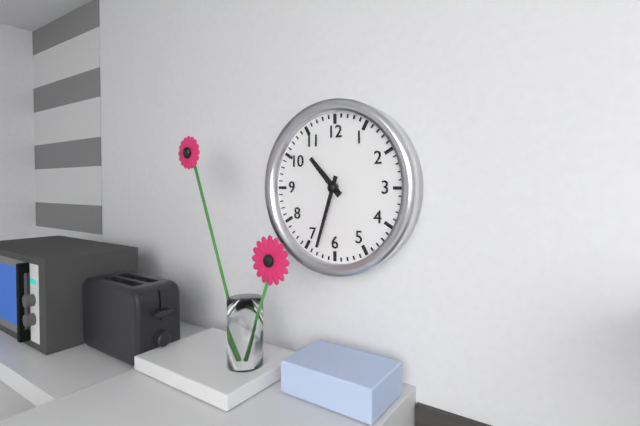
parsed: **10:33**
